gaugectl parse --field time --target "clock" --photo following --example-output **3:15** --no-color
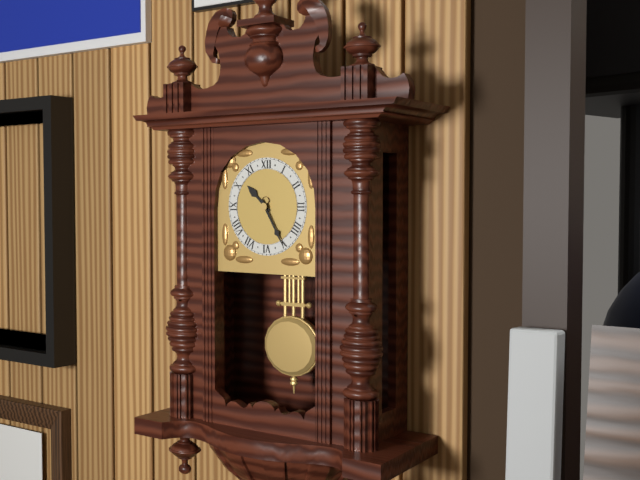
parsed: **10:25**
